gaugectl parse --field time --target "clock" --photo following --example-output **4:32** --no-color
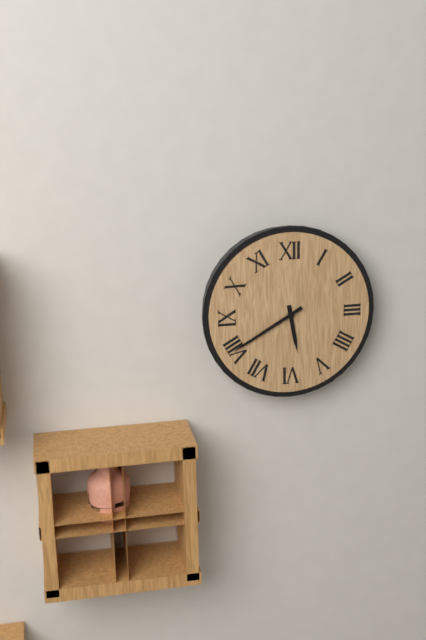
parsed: **5:40**
